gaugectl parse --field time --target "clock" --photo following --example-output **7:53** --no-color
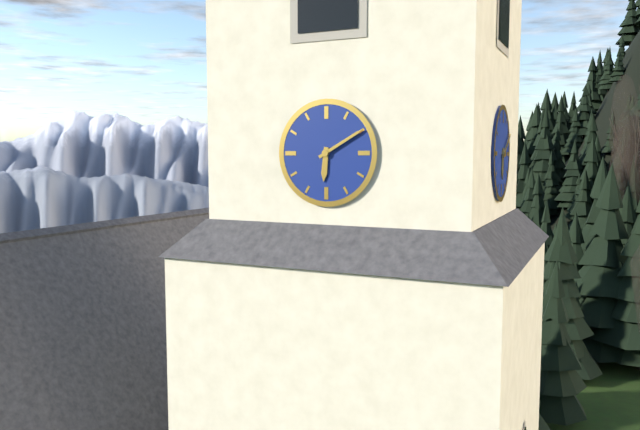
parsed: **6:10**
